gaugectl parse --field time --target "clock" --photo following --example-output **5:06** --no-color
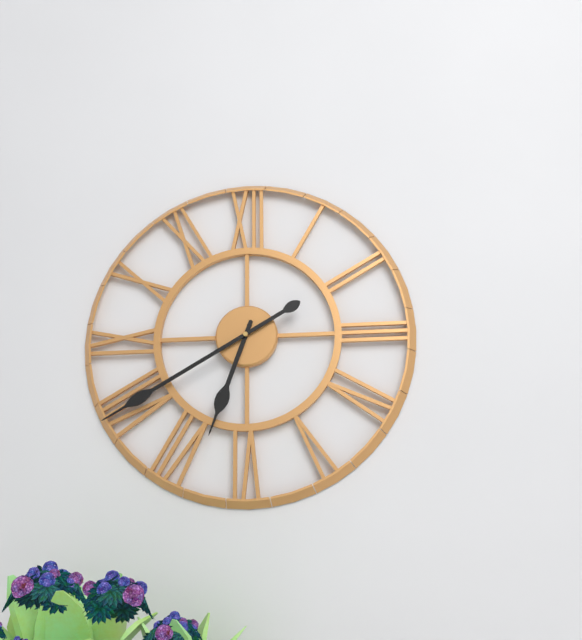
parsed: **6:40**
